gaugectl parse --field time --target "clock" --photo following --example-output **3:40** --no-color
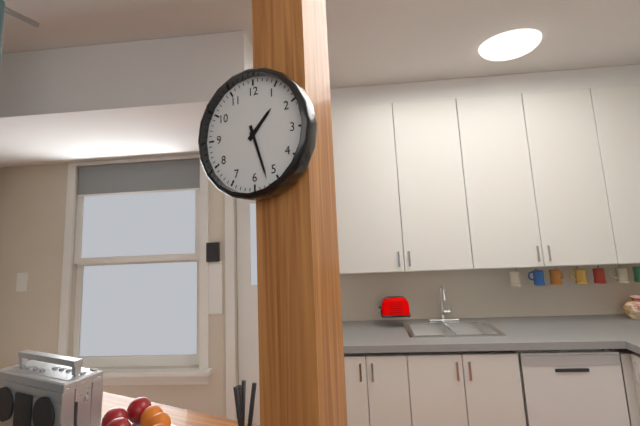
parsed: **1:27**
